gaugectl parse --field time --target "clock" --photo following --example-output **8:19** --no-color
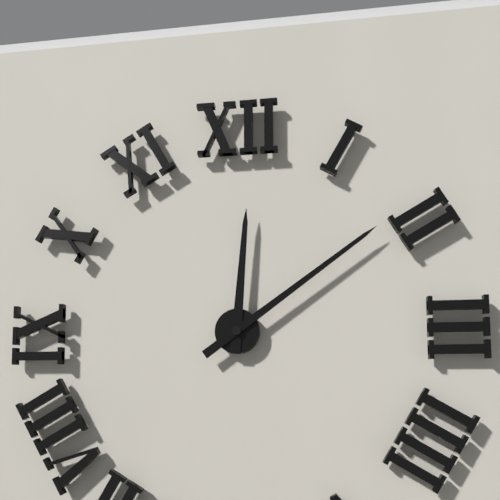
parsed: **12:09**
